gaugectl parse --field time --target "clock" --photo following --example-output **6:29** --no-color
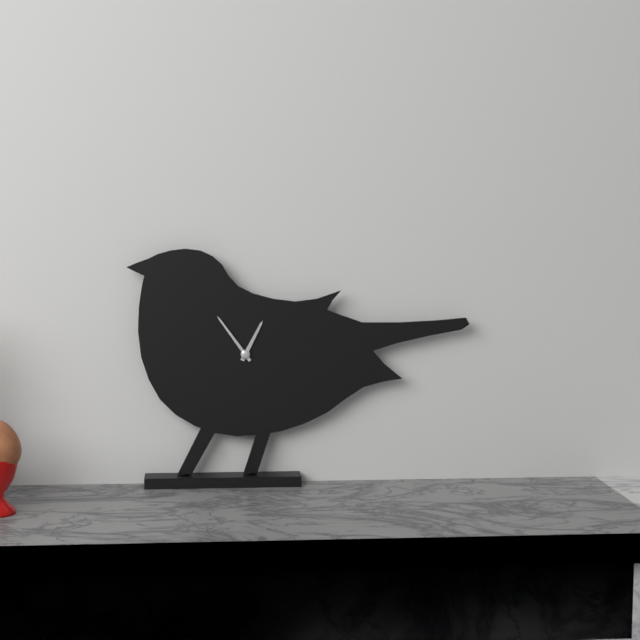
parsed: **12:54**
